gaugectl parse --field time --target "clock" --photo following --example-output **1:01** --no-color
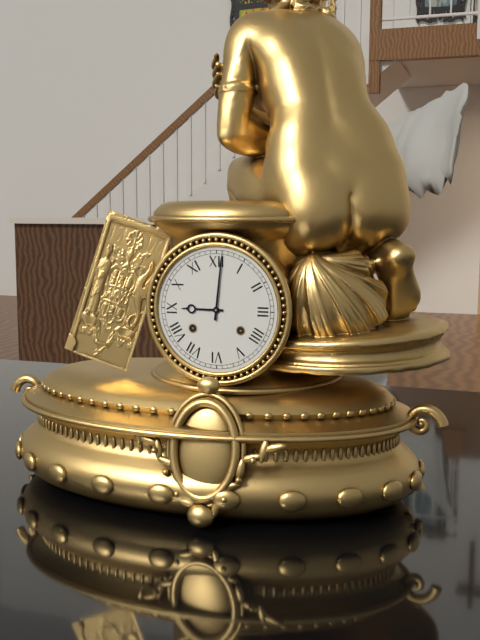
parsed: **9:01**
